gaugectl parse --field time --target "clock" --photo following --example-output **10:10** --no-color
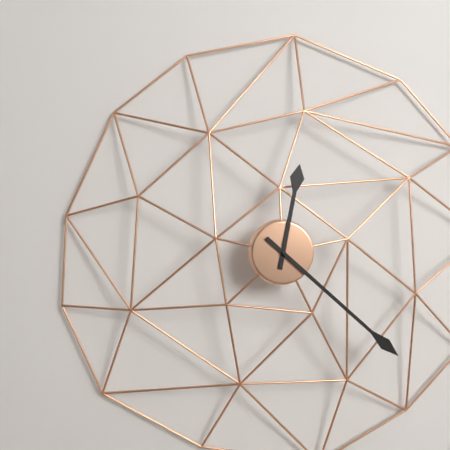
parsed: **12:22**
